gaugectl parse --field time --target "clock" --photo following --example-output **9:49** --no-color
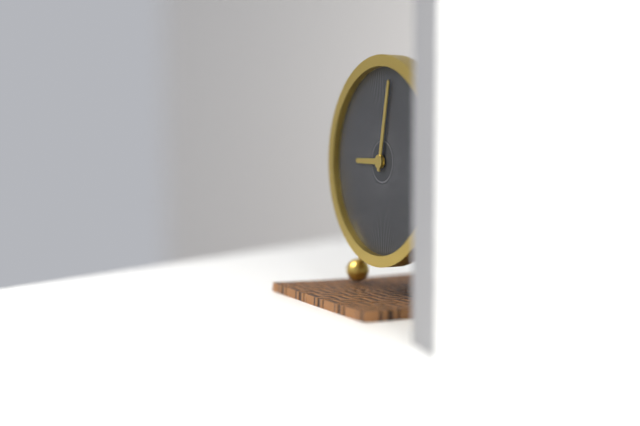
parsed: **9:02**
